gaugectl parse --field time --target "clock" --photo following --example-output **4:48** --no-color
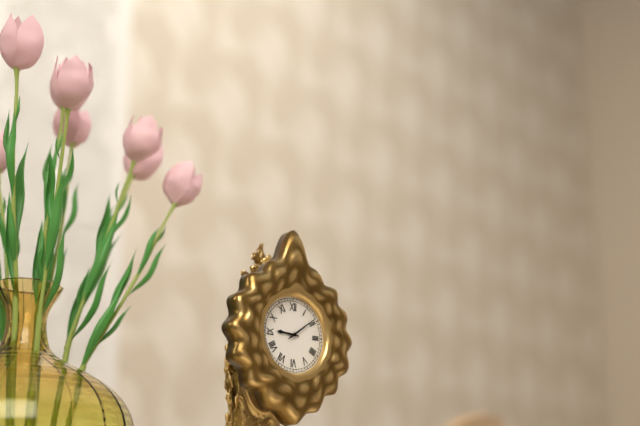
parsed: **9:09**
